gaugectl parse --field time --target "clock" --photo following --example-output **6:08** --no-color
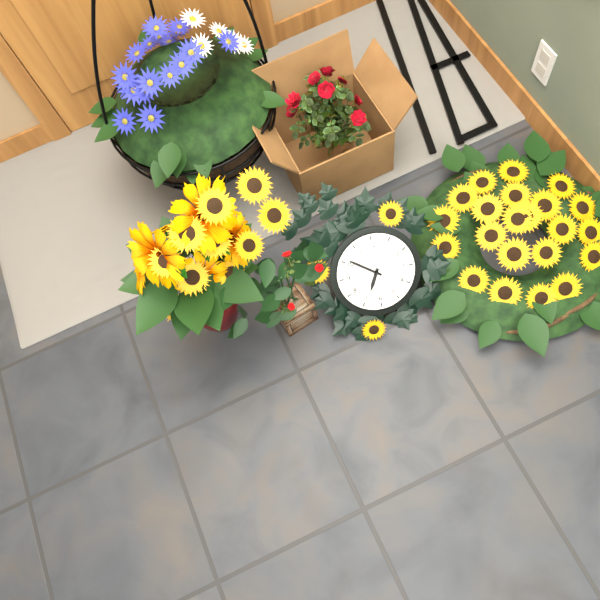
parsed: **6:51**
